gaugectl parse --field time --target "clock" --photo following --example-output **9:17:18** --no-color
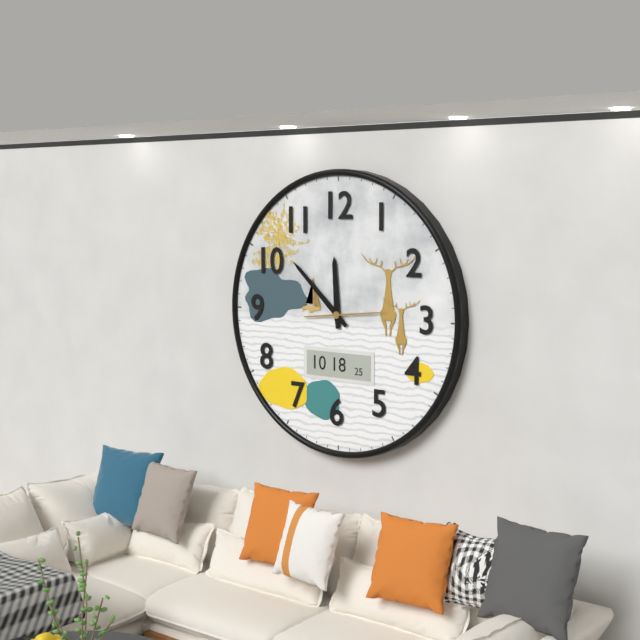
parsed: **11:52:14**
